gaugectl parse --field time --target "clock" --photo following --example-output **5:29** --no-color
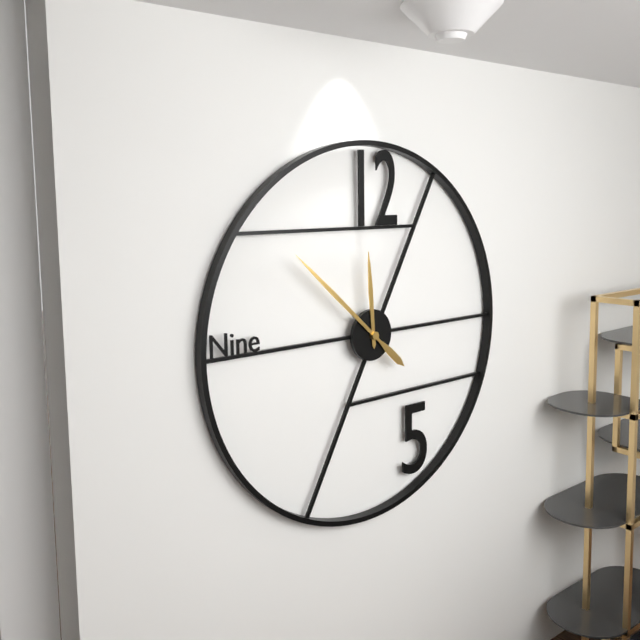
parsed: **11:52**
